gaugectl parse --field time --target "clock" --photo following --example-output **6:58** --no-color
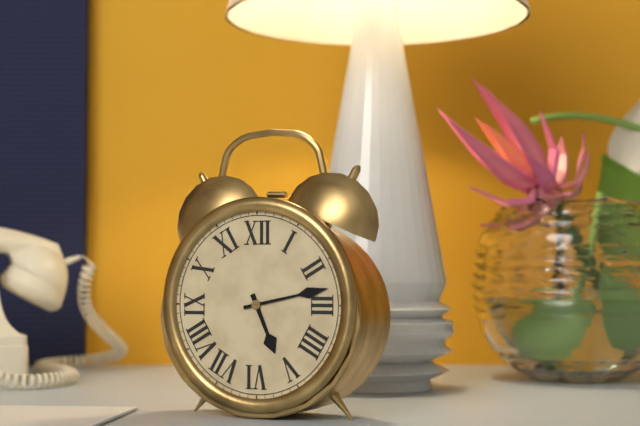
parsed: **5:13**
